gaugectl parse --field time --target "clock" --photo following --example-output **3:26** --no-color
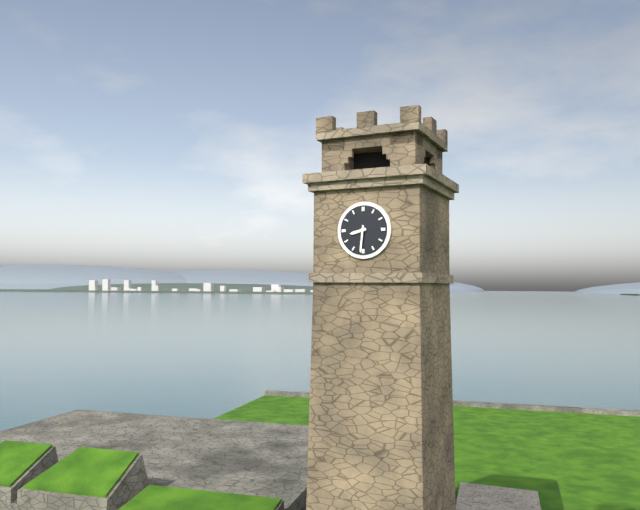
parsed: **8:31**
